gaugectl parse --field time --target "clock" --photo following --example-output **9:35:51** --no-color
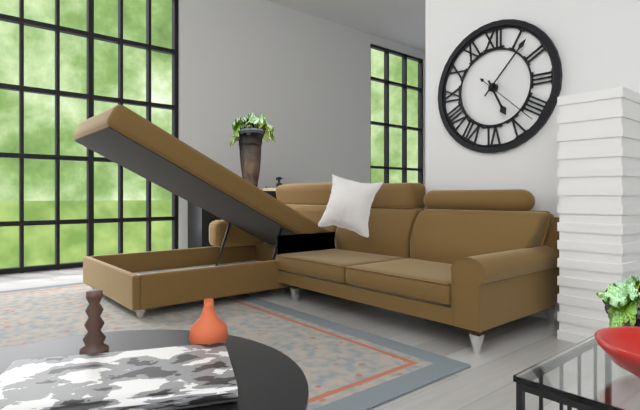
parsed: **5:07:22**
